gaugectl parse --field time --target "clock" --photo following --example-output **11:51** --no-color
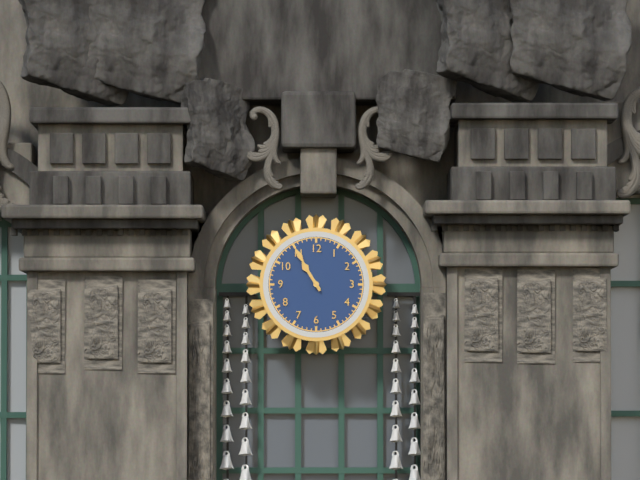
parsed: **10:55**
